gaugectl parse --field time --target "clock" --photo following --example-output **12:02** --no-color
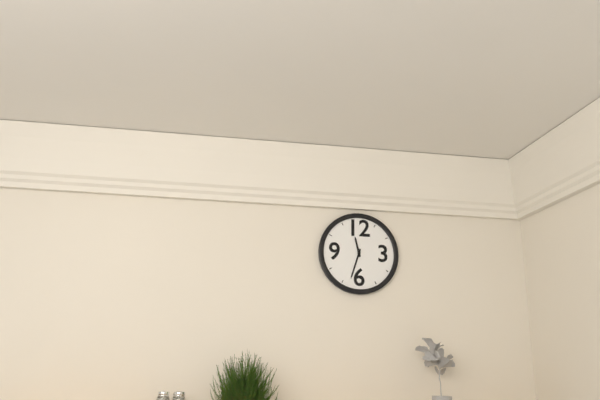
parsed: **11:33**
